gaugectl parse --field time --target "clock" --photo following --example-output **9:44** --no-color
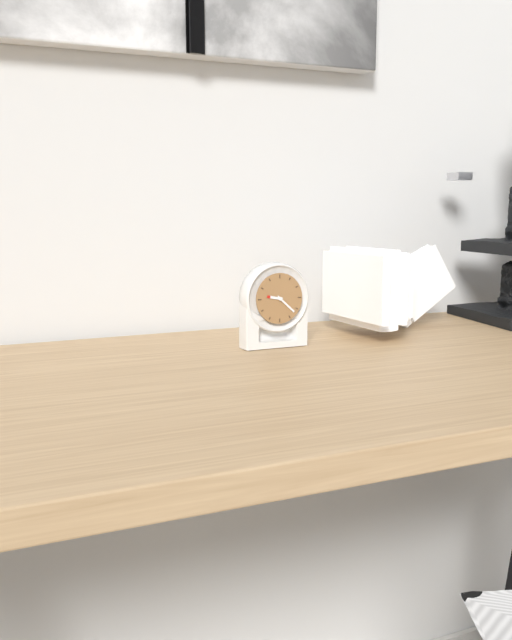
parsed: **9:22**
